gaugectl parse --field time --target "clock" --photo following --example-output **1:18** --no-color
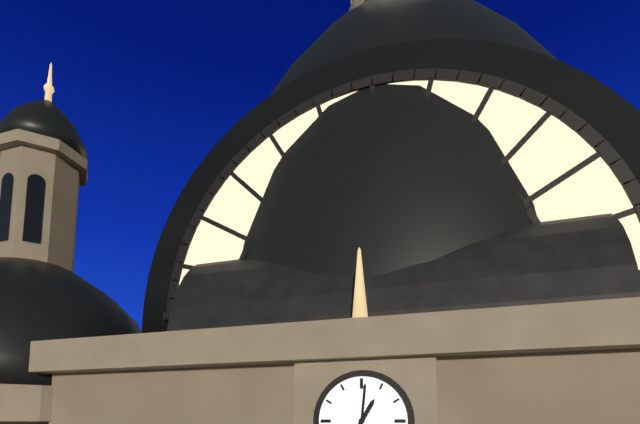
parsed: **1:01**
